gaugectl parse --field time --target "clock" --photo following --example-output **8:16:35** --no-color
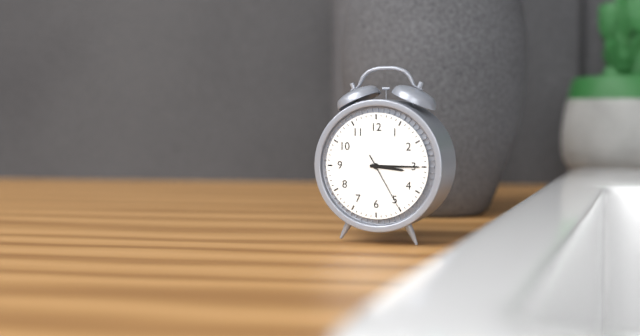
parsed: **3:15:25**
